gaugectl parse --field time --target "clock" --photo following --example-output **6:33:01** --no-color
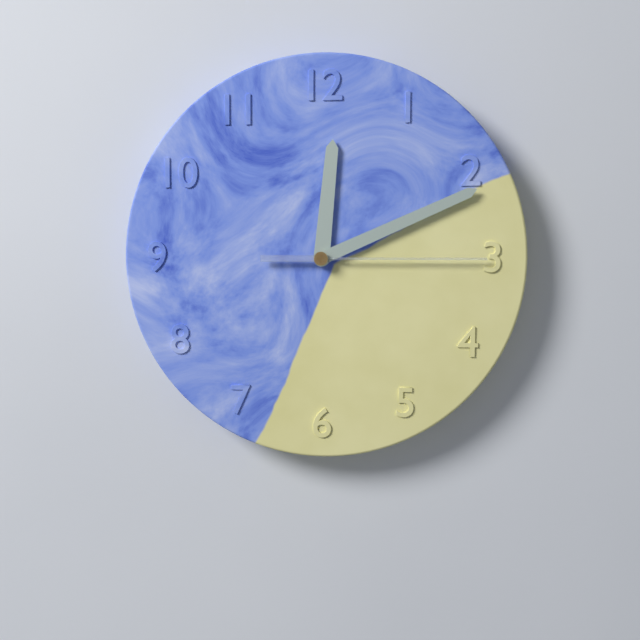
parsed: **12:11:15**
